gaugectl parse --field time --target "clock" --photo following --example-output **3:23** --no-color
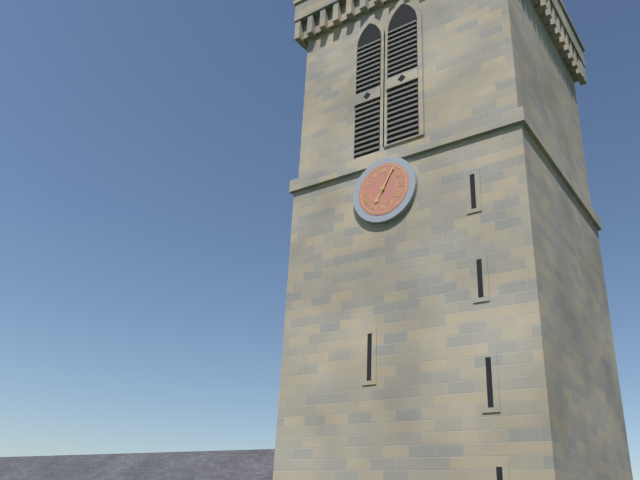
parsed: **7:05**
